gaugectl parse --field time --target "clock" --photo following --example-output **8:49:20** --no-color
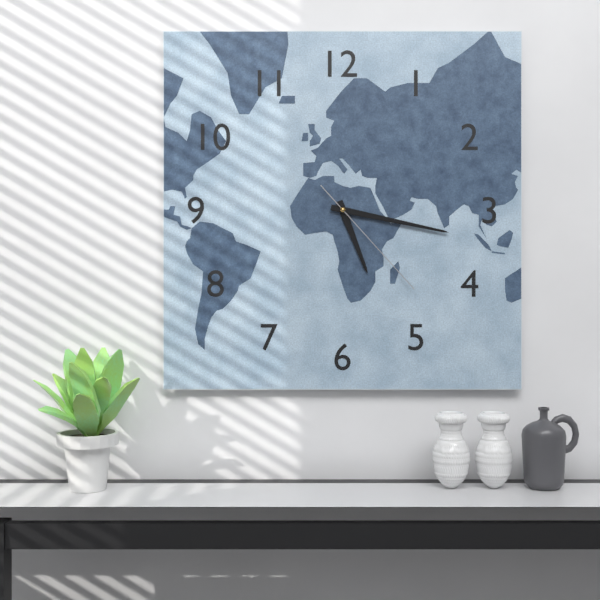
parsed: **5:17:23**
